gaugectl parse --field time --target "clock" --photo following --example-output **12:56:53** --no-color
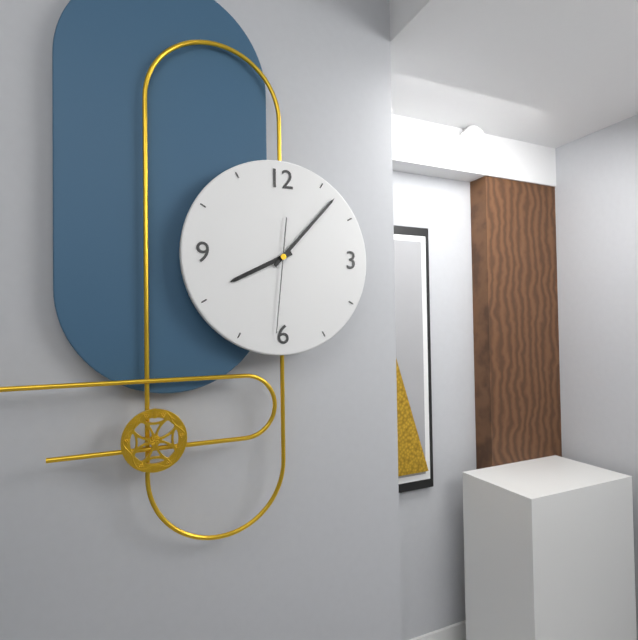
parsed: **8:07:31**
